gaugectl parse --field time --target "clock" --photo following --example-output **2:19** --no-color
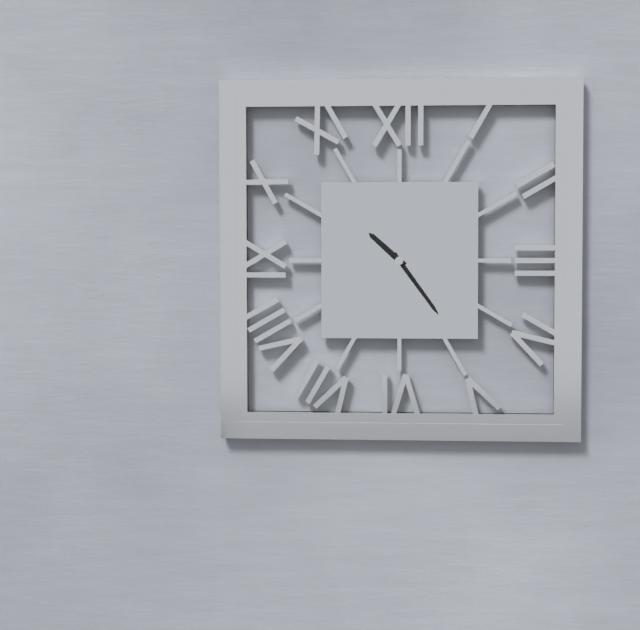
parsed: **10:24**
